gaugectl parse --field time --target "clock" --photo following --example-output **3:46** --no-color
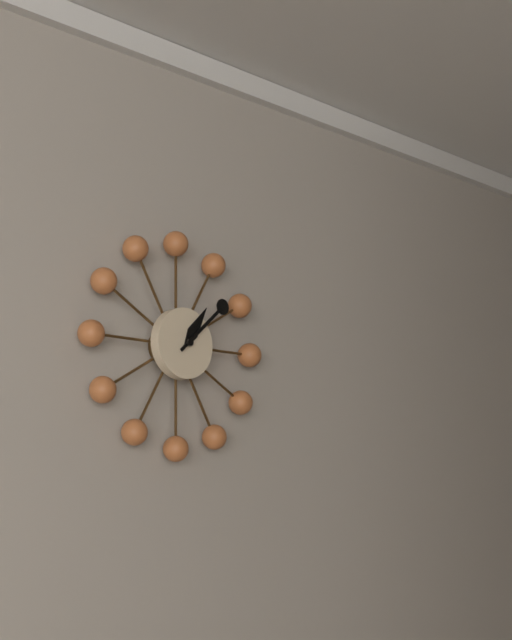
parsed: **1:08**
